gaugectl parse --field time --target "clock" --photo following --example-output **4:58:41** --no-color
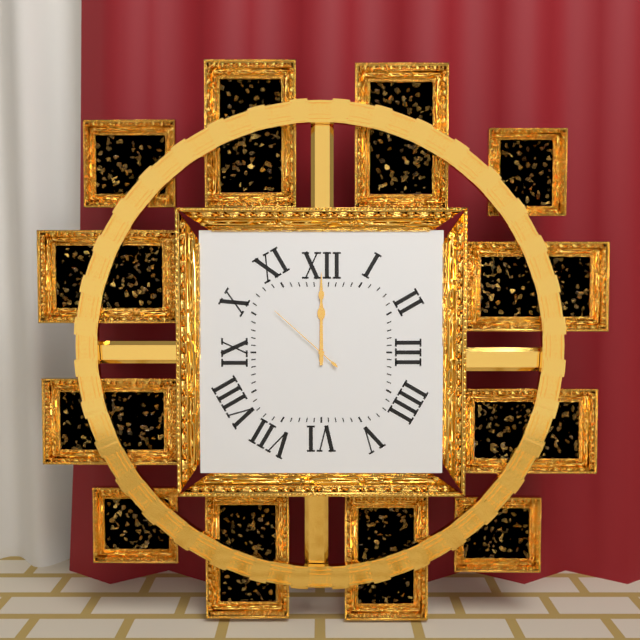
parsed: **12:00:52**
